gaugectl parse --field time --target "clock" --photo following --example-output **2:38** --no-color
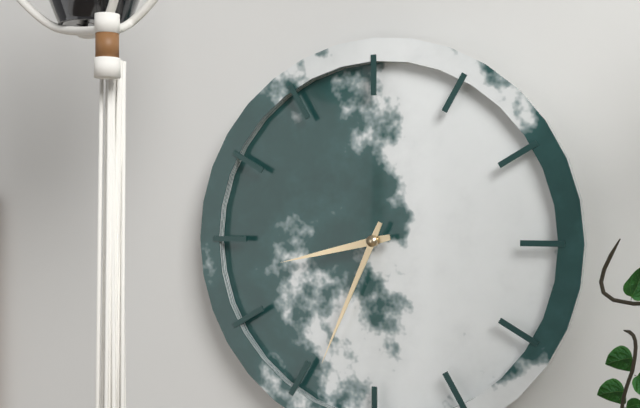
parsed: **8:34**
